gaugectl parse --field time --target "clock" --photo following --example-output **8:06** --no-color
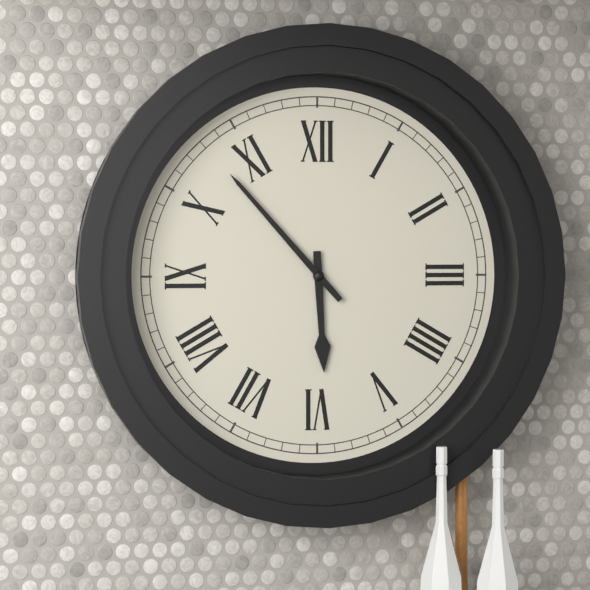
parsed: **5:53**
